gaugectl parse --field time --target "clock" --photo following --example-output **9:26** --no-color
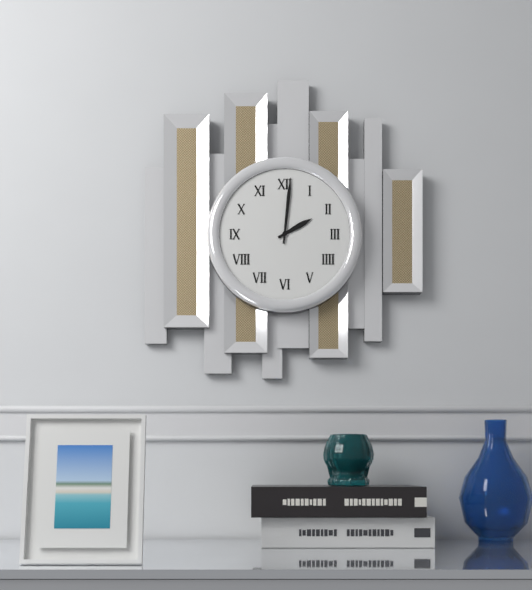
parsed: **2:01**
